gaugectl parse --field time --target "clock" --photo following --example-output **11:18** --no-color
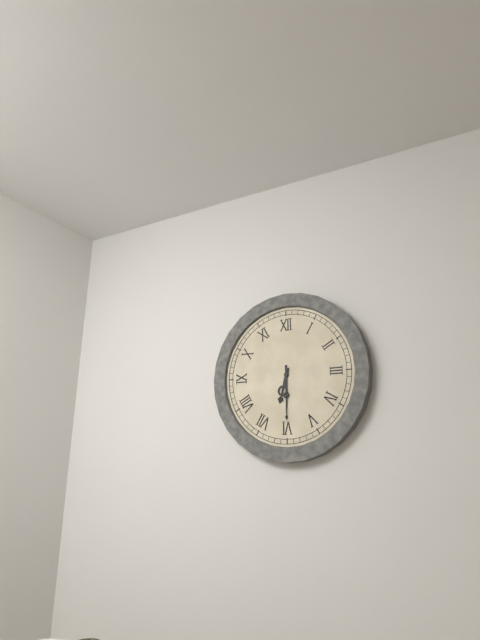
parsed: **6:30**
